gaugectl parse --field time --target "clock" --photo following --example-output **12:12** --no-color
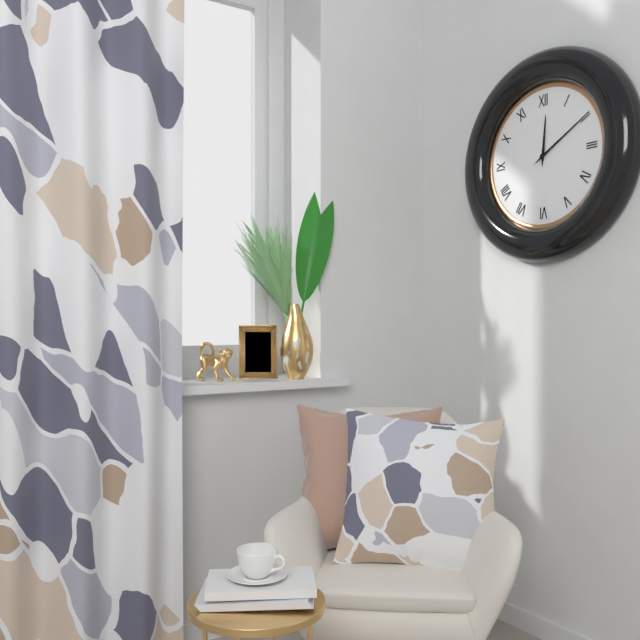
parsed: **12:10**
